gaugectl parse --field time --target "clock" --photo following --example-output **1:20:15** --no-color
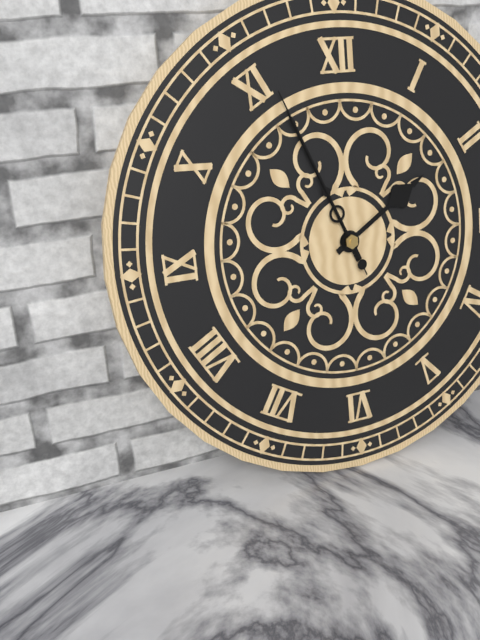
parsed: **1:56:56**
